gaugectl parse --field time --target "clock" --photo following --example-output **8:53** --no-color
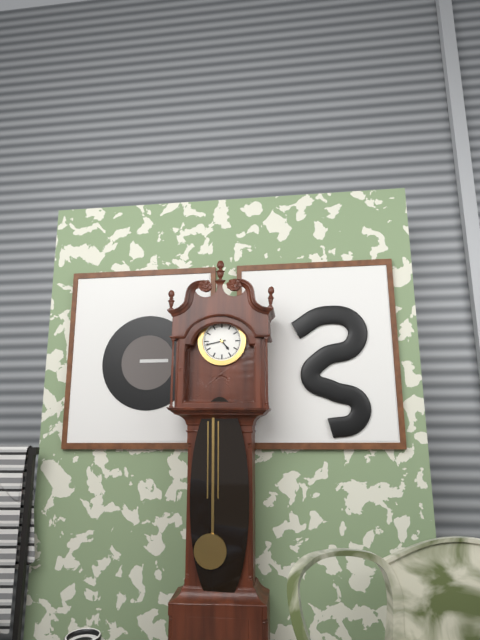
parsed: **4:43**
